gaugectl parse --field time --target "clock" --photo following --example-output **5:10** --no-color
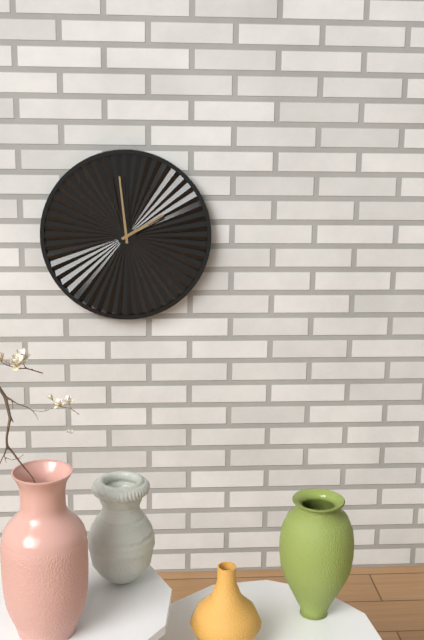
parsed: **1:59**
